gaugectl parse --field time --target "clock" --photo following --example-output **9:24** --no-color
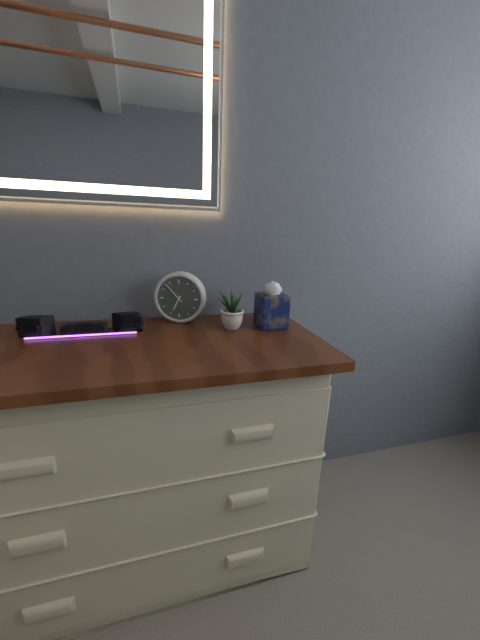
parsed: **6:53**
